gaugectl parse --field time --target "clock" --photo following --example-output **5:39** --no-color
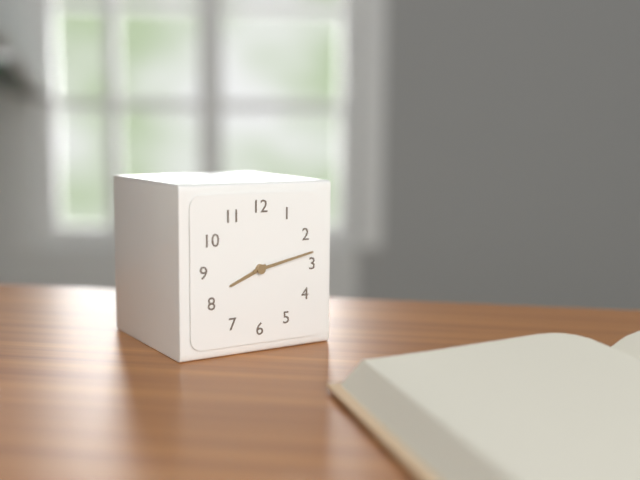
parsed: **8:13**
